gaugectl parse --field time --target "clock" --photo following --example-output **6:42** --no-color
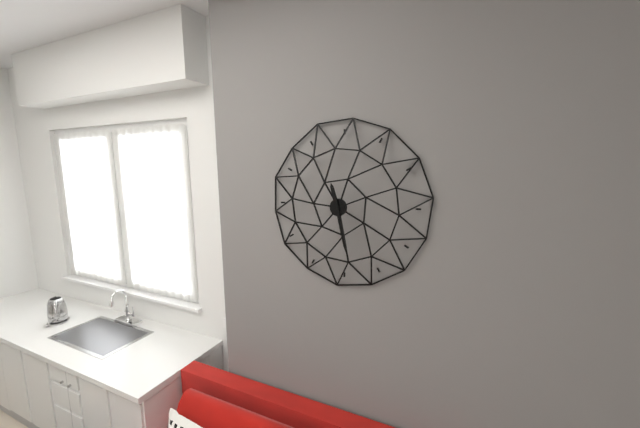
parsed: **11:28**
